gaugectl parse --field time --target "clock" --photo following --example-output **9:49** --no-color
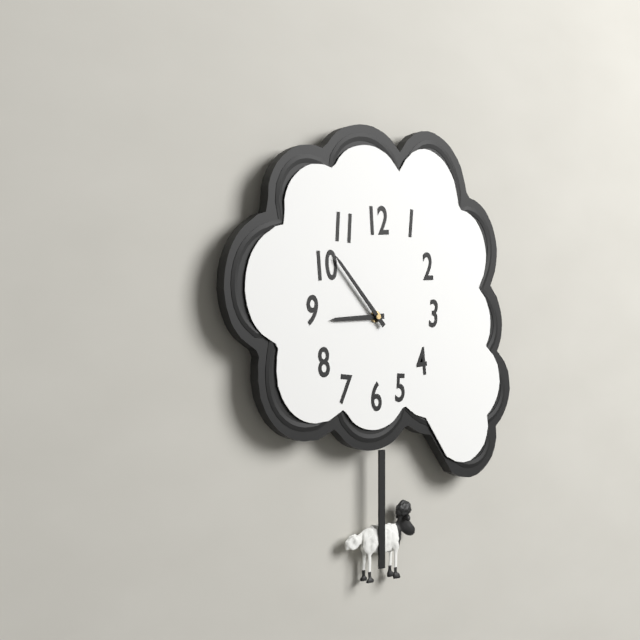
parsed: **8:53**
